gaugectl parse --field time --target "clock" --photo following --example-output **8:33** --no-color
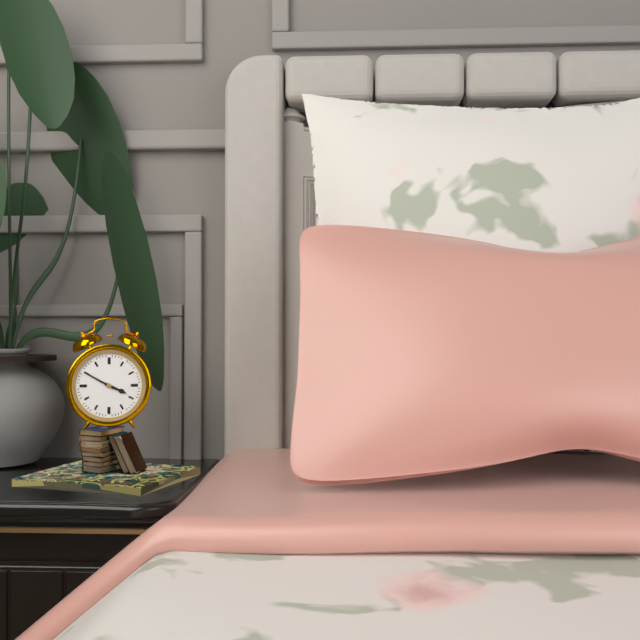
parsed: **3:50**
